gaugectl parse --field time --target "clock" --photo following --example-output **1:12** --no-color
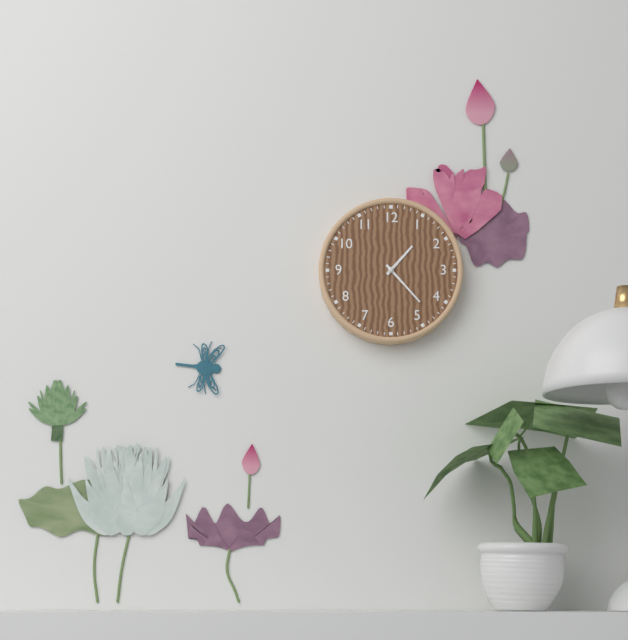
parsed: **1:23**
